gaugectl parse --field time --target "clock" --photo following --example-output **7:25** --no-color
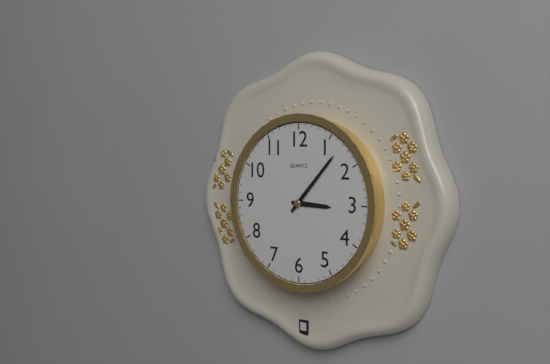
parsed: **3:07**
